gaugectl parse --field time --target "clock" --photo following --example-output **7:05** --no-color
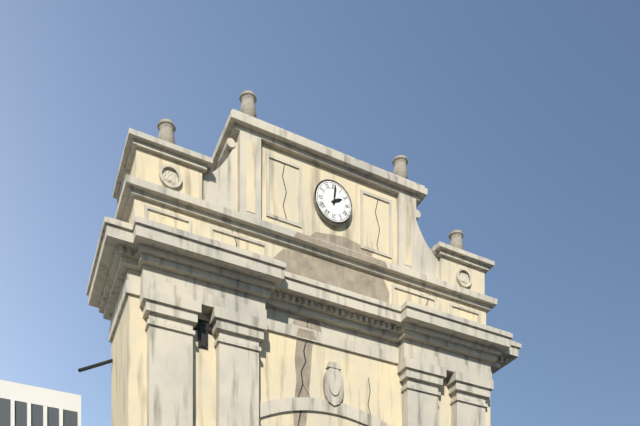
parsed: **2:01**
